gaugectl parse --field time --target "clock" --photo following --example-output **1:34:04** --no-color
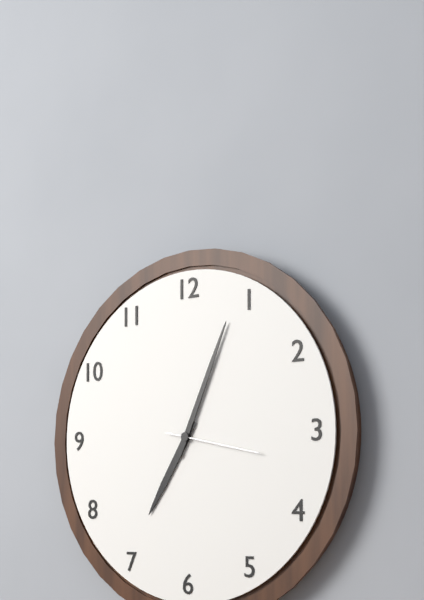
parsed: **7:04:17**
